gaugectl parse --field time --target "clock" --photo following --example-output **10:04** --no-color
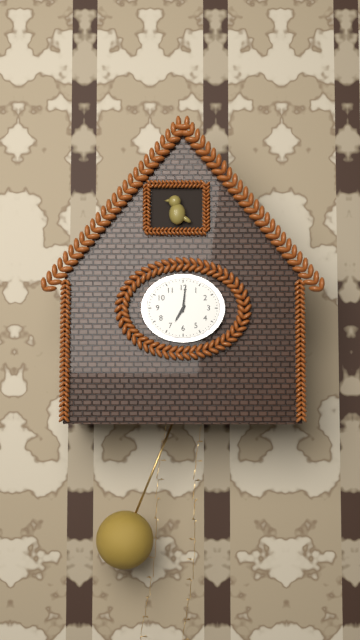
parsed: **7:01**
